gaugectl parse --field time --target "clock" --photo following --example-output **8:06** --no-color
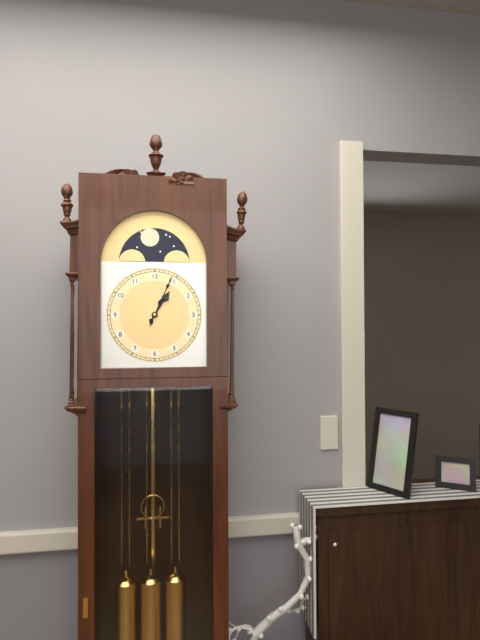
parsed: **1:04**
